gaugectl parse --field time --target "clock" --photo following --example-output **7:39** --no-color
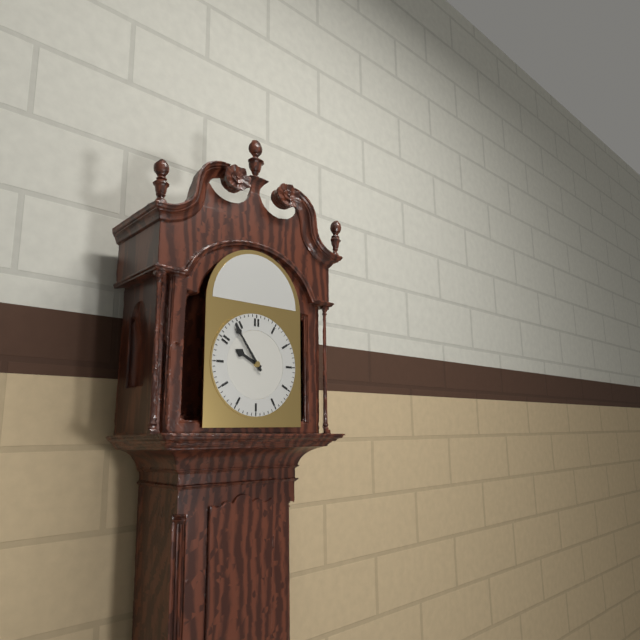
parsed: **9:54**
